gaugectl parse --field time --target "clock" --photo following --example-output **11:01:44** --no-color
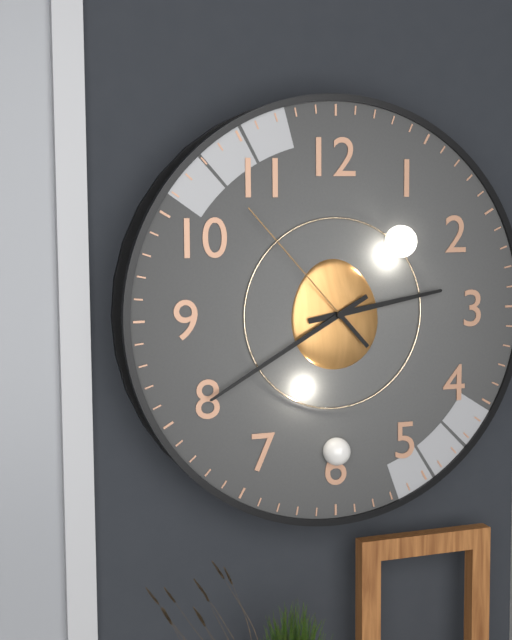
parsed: **2:40:53**
